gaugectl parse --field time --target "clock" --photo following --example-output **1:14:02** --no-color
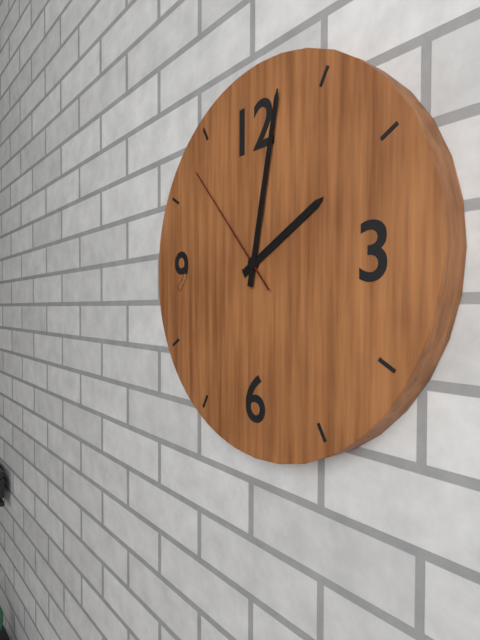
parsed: **2:02:53**
